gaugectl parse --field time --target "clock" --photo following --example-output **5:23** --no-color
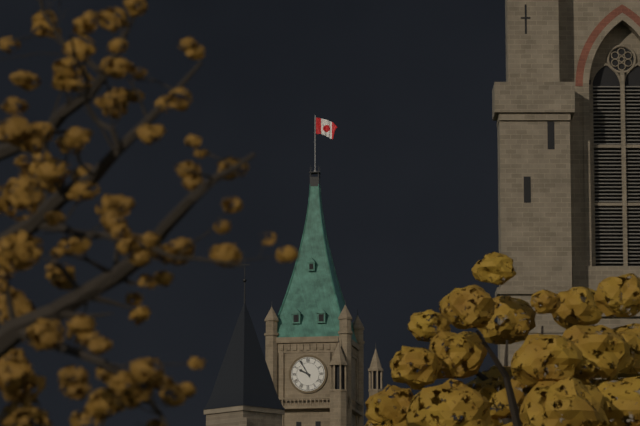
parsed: **9:55**
